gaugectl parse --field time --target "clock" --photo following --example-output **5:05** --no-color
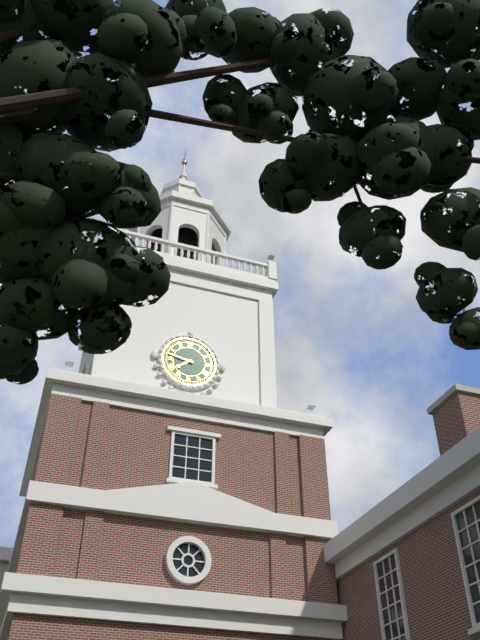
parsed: **7:47**
